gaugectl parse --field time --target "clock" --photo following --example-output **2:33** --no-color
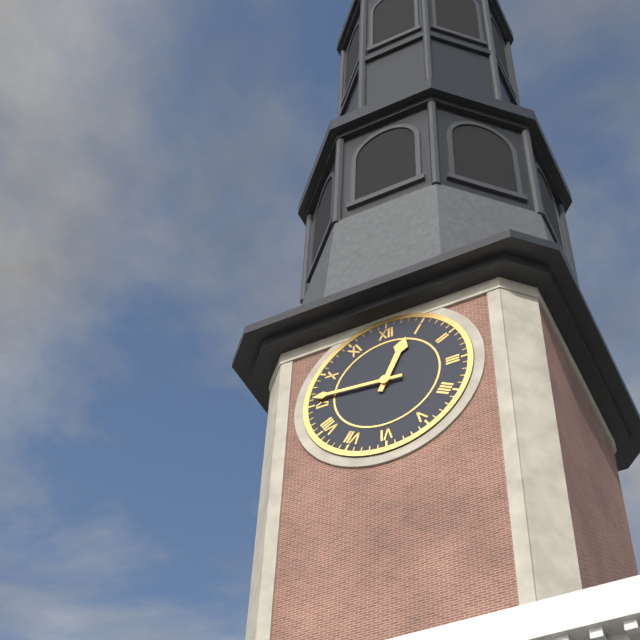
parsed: **12:46**
